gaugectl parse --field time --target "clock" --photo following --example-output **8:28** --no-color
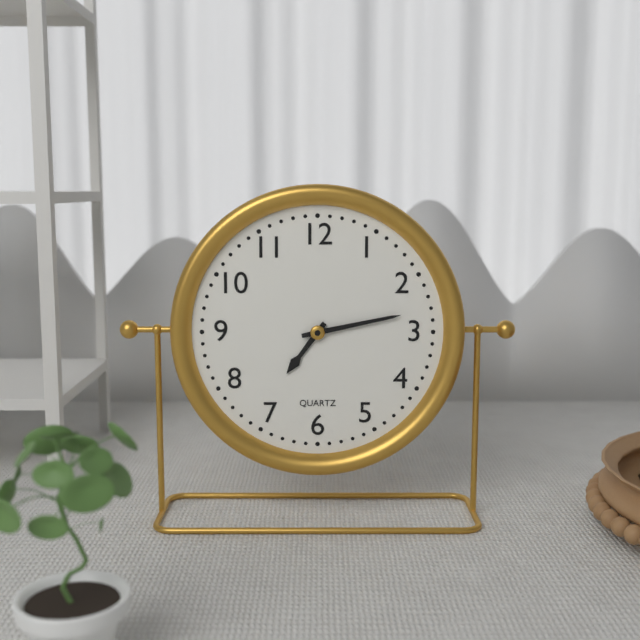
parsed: **7:13**
